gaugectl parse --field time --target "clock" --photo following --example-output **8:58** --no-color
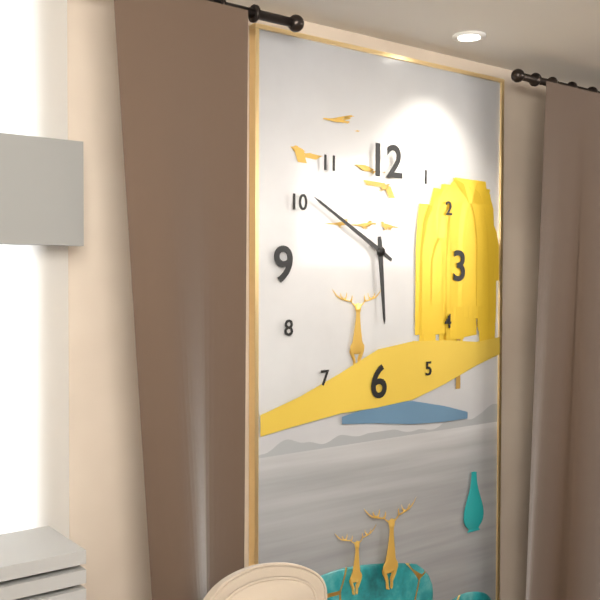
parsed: **5:50**
